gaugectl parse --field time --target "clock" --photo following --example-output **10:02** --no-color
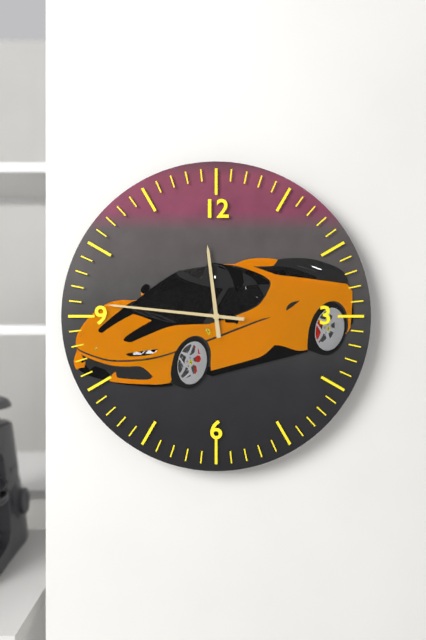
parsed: **11:46**
